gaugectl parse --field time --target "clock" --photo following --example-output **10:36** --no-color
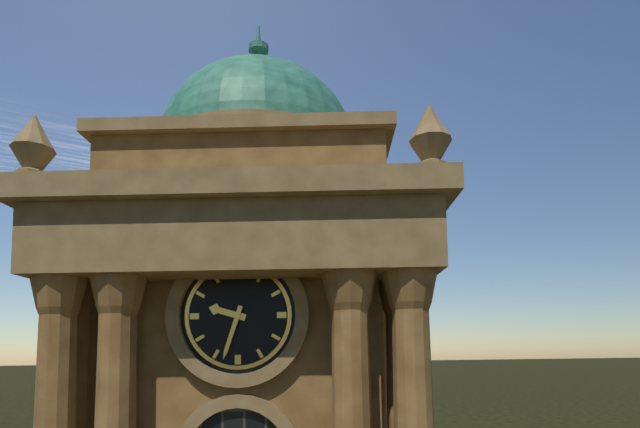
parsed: **9:33**
